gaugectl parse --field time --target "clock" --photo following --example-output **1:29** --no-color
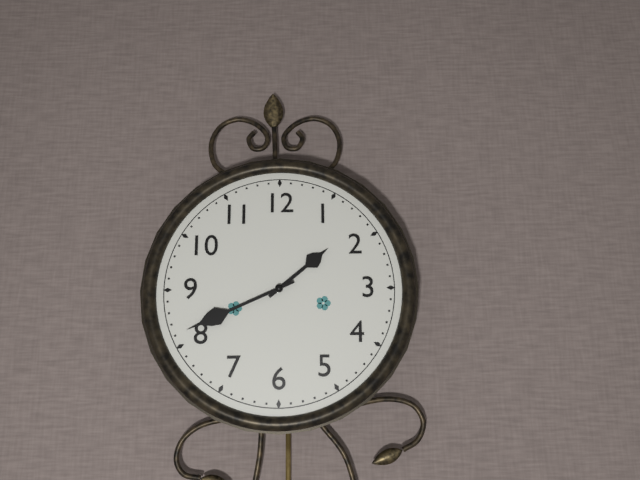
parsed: **1:41**
